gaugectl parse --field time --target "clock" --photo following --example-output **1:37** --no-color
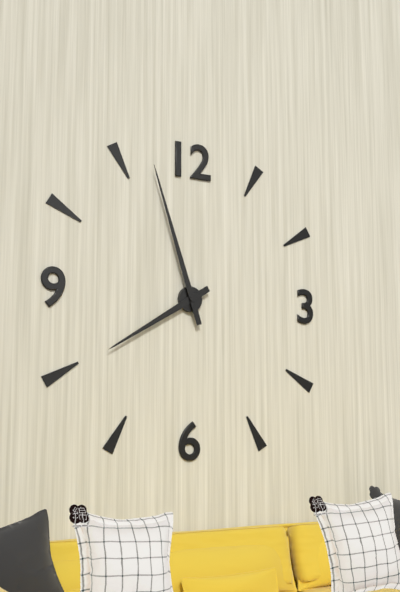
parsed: **7:57**
